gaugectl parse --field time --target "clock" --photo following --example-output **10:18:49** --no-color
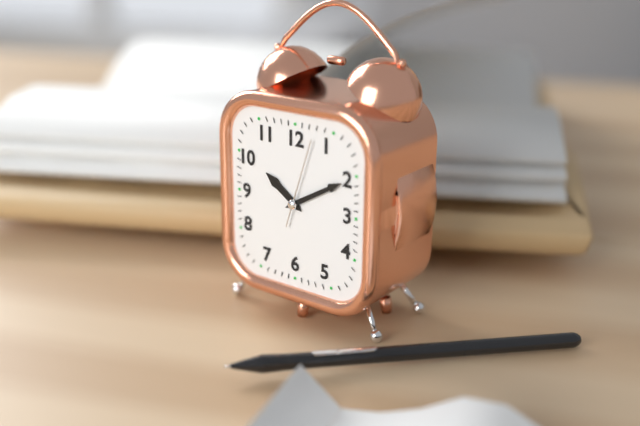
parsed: **10:10:03**
